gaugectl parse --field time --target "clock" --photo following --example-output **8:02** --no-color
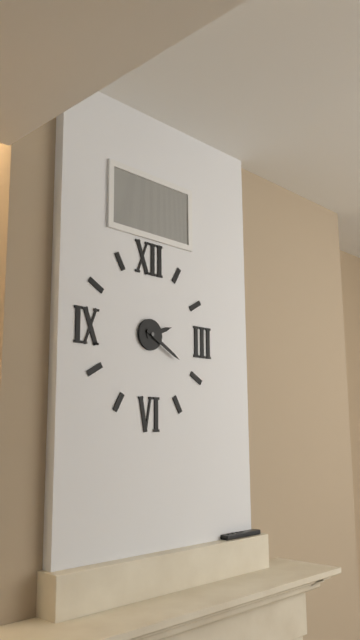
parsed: **2:20**
